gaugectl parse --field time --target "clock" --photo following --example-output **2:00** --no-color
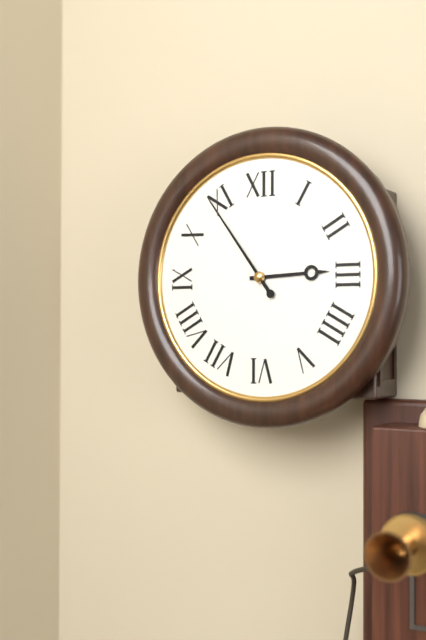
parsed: **2:54**
